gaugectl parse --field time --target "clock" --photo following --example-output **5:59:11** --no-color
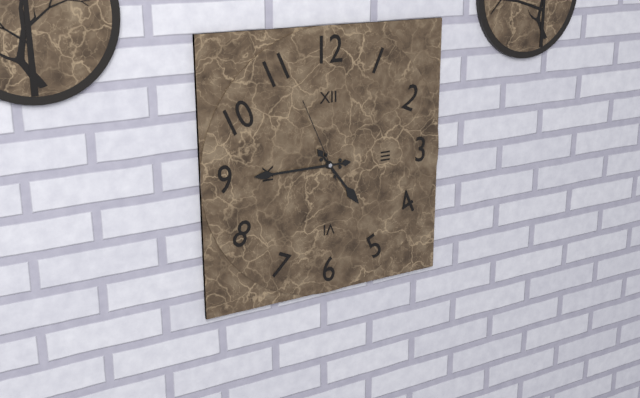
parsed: **4:45:56**
